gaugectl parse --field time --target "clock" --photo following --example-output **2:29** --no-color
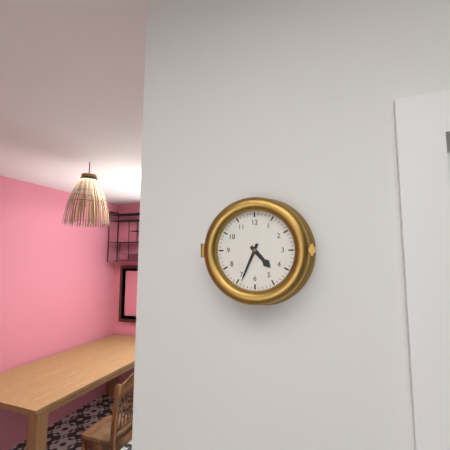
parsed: **4:34**
